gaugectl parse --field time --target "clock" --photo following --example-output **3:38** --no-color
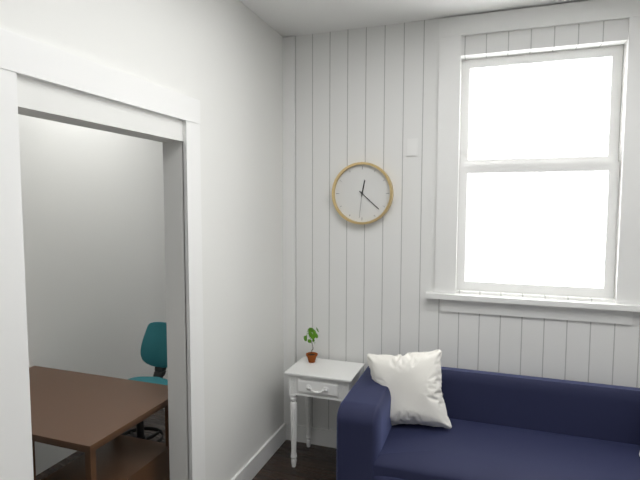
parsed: **12:22**
